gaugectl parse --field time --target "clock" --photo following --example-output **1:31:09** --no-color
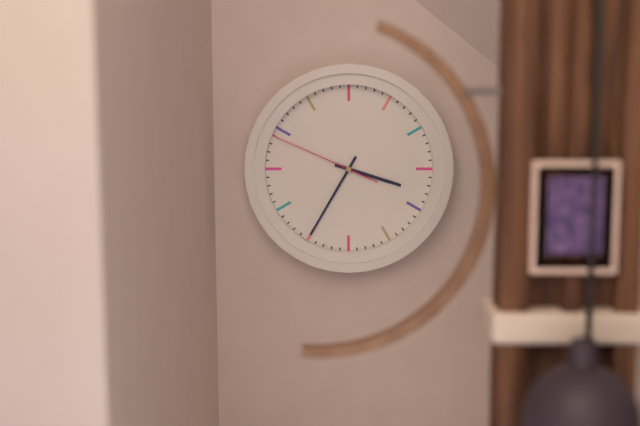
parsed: **3:35:49**
